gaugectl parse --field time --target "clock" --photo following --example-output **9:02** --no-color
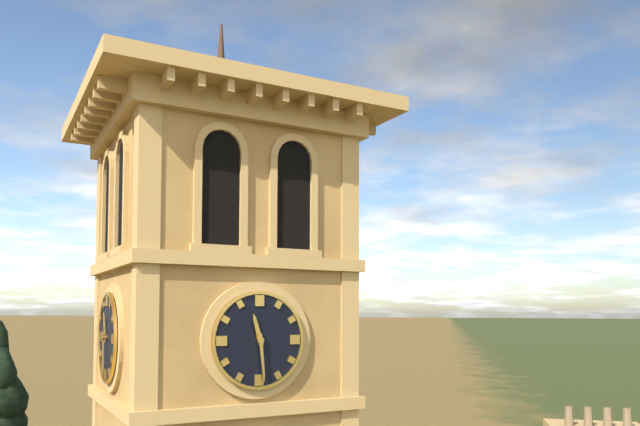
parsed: **11:29**
